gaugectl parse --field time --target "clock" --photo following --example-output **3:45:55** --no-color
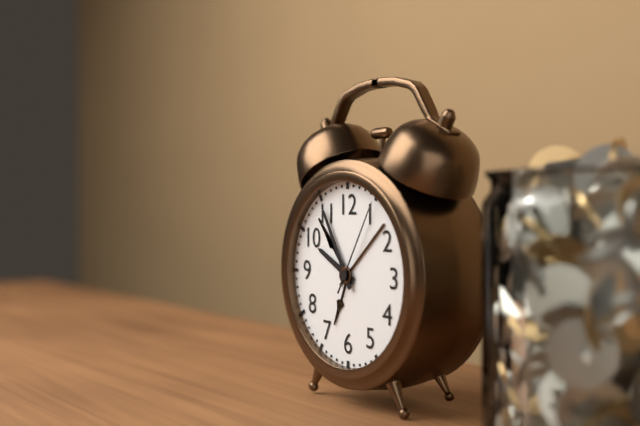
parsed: **9:55:05**
